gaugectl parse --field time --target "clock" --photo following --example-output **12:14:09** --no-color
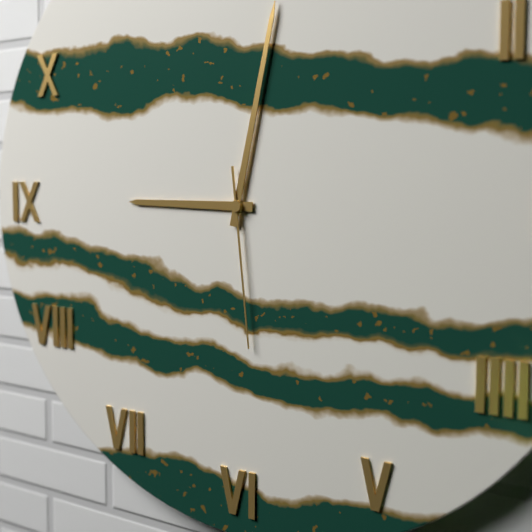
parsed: **9:02:29**
